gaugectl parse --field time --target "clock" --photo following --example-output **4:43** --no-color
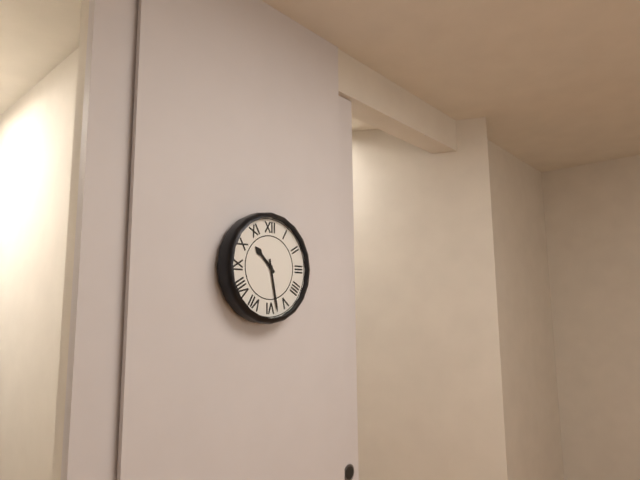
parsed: **10:28**
